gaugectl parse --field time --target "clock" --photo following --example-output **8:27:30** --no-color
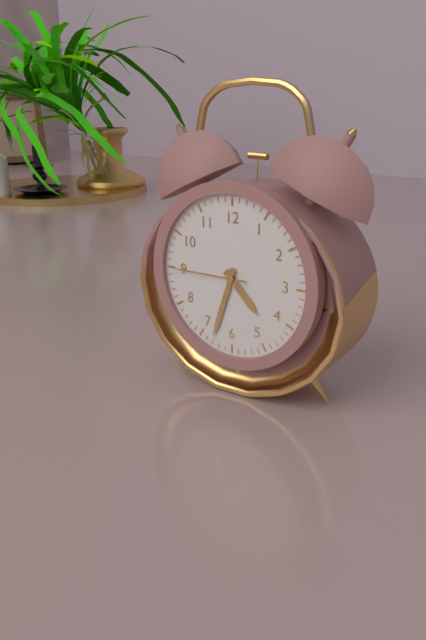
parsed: **4:33:45**
